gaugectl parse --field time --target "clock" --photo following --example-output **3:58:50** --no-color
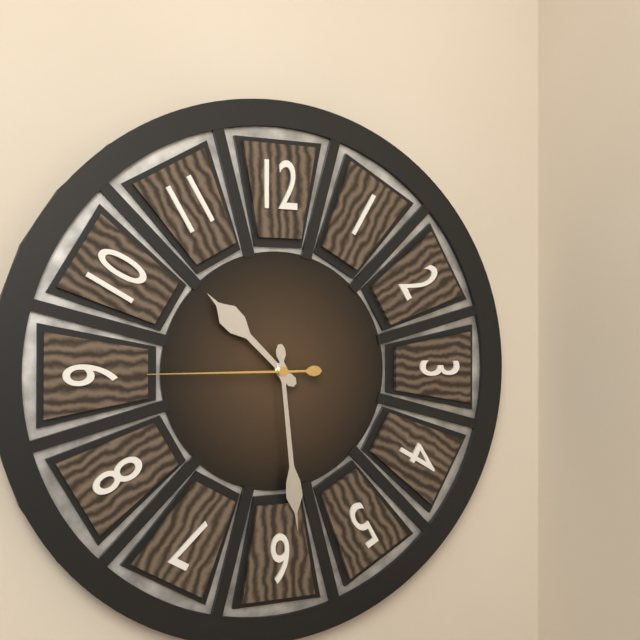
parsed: **10:29:45**
